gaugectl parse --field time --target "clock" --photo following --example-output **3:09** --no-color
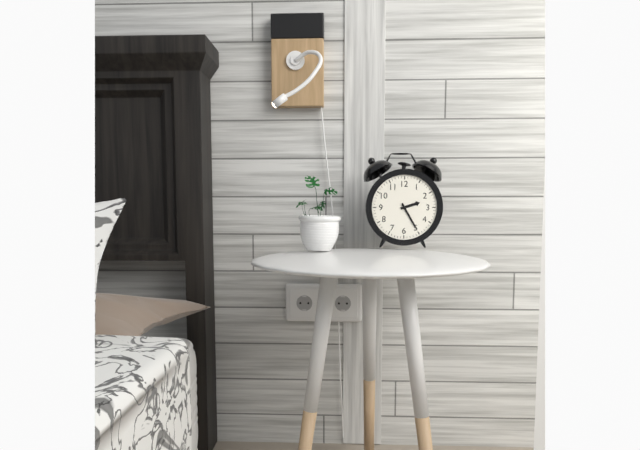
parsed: **2:25**
